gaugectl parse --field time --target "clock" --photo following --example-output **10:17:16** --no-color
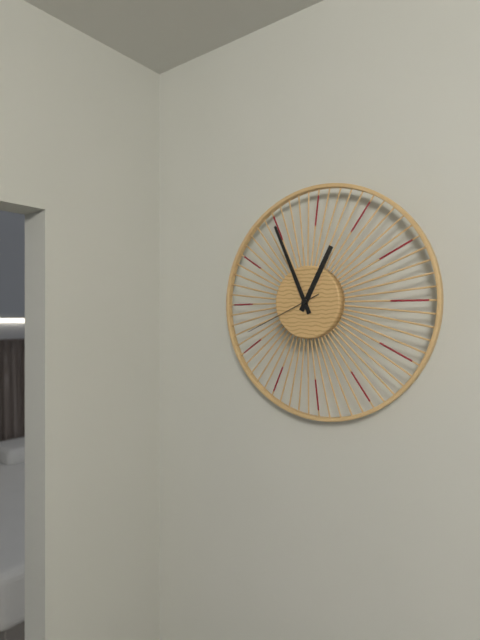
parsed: **12:56:41**
